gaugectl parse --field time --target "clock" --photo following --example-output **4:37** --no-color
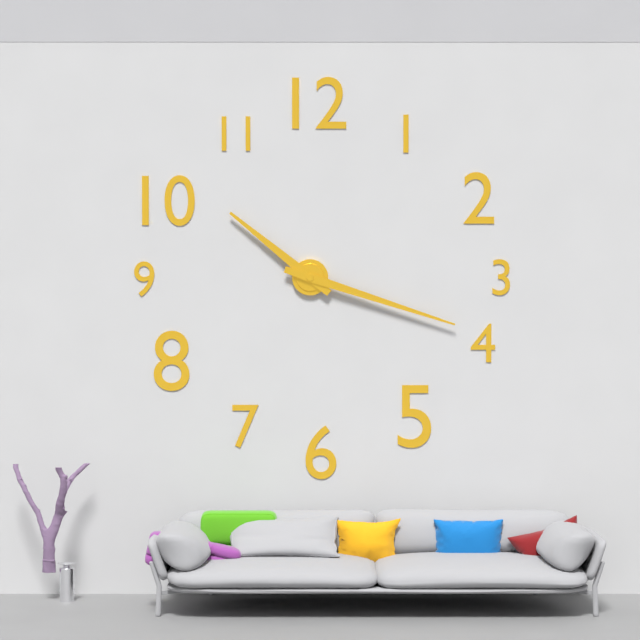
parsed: **10:18**
